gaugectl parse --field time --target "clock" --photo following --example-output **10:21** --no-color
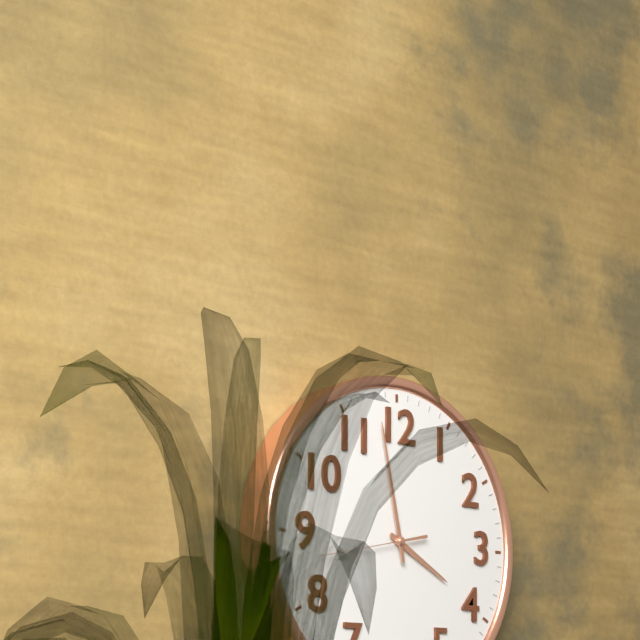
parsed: **3:58**
